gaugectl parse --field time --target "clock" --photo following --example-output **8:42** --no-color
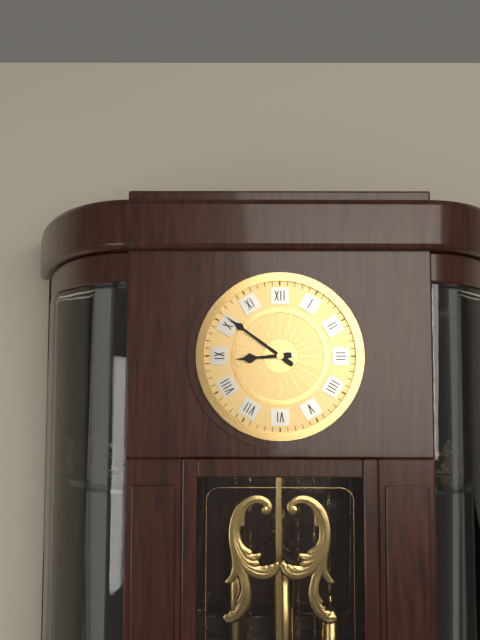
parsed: **8:51**
